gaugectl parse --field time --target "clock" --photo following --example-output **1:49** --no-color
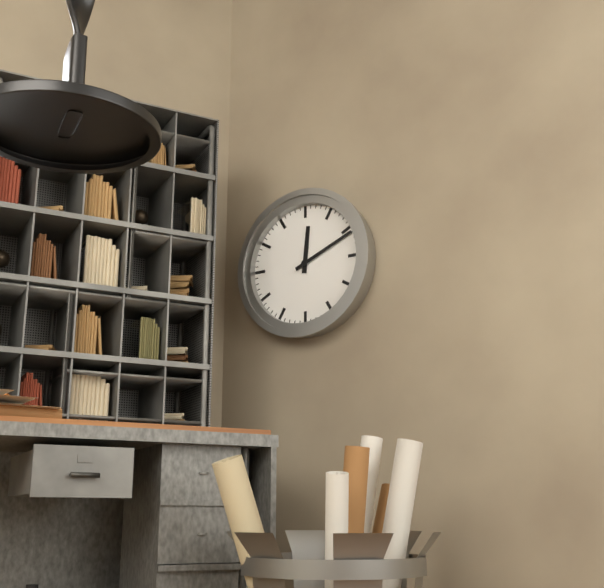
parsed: **12:11**
